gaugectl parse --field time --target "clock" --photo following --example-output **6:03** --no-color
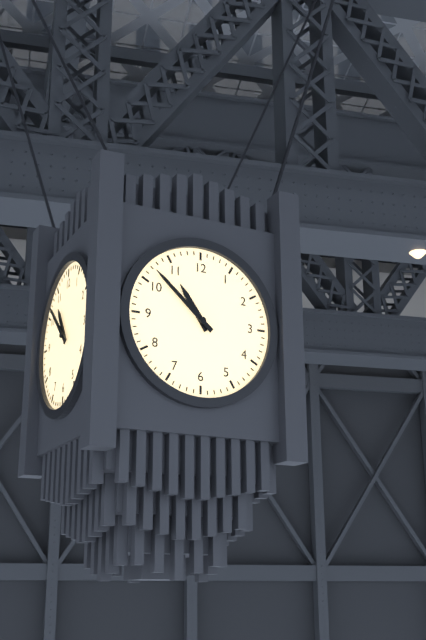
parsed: **10:52**
